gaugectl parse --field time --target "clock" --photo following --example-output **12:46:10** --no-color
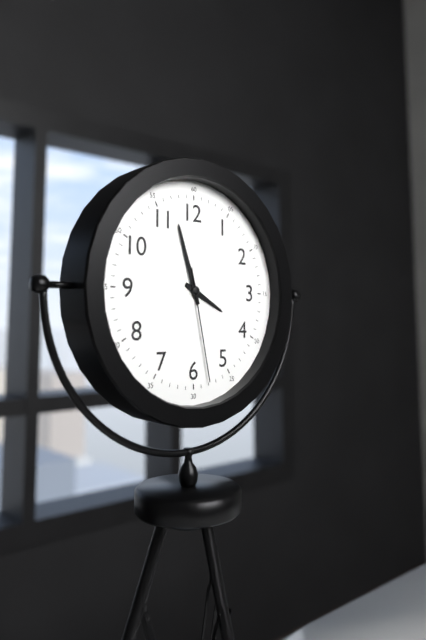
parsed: **3:57:28**
